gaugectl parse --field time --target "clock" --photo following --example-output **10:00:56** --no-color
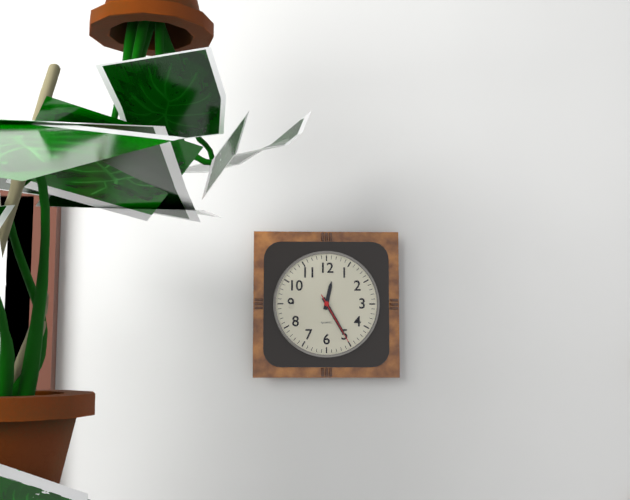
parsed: **12:25:25**
